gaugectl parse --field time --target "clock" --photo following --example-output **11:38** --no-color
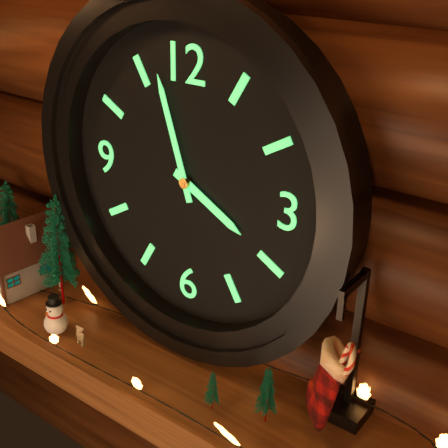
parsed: **3:57**
